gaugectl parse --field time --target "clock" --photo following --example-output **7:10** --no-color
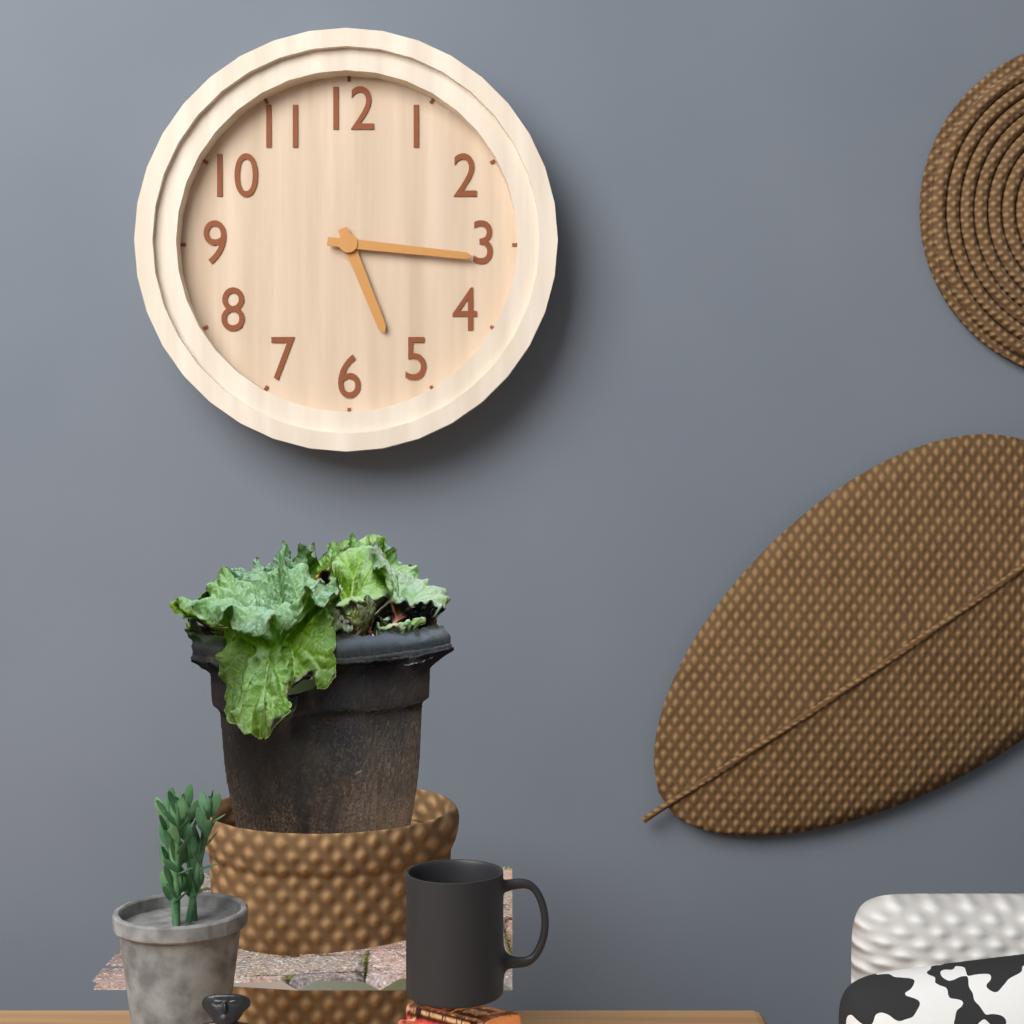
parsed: **5:16**
